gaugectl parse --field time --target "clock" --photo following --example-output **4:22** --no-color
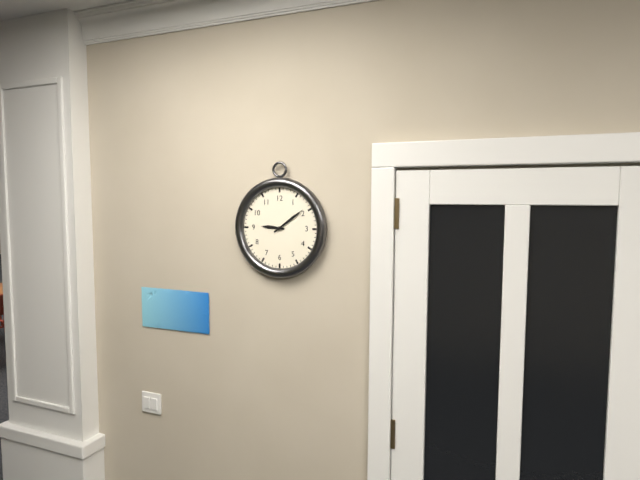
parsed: **9:09**
